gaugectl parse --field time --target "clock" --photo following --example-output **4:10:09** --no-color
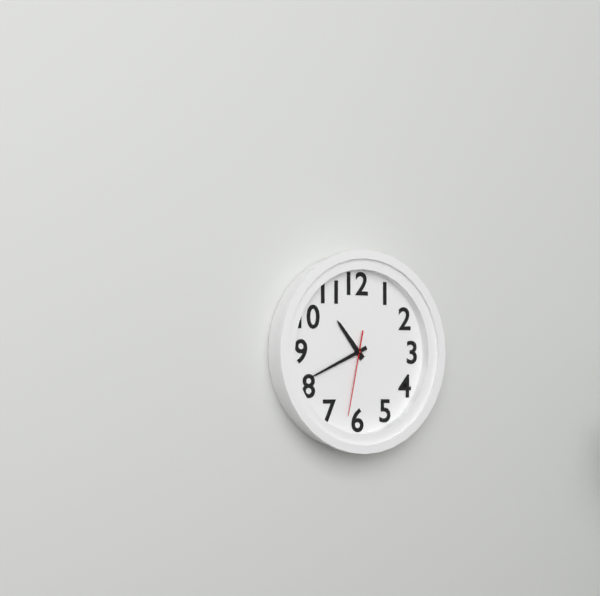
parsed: **10:41:32**
